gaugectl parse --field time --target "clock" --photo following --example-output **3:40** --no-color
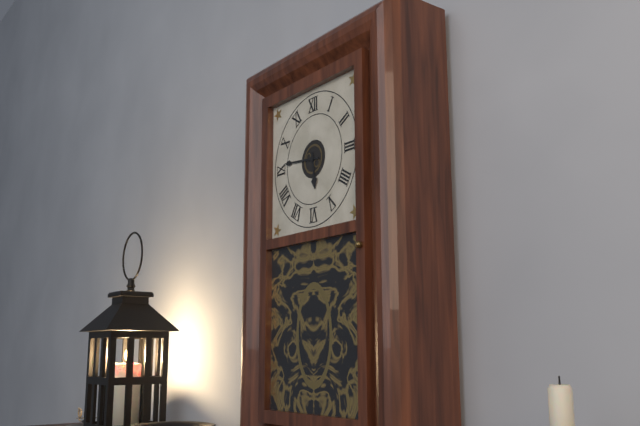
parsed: **5:46**
